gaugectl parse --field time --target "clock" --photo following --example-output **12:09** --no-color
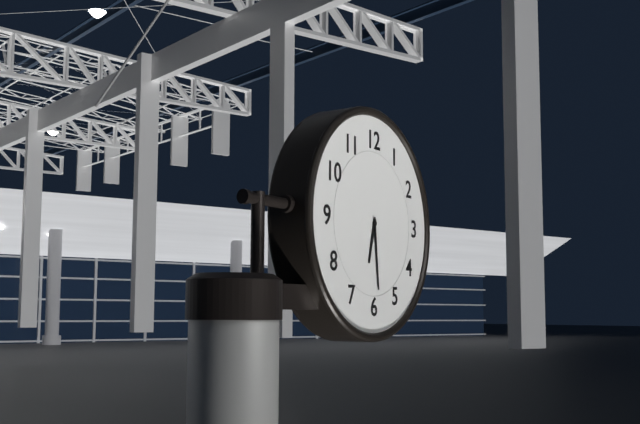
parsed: **6:29**
